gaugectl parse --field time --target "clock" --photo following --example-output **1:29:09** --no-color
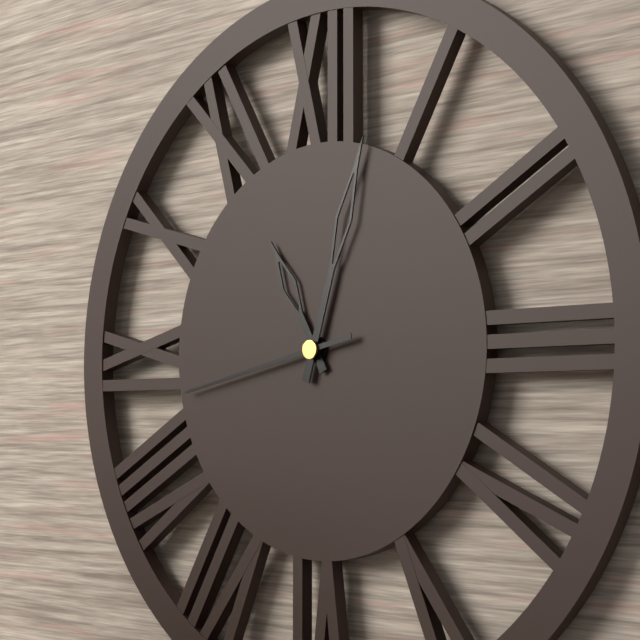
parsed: **11:03:43**
